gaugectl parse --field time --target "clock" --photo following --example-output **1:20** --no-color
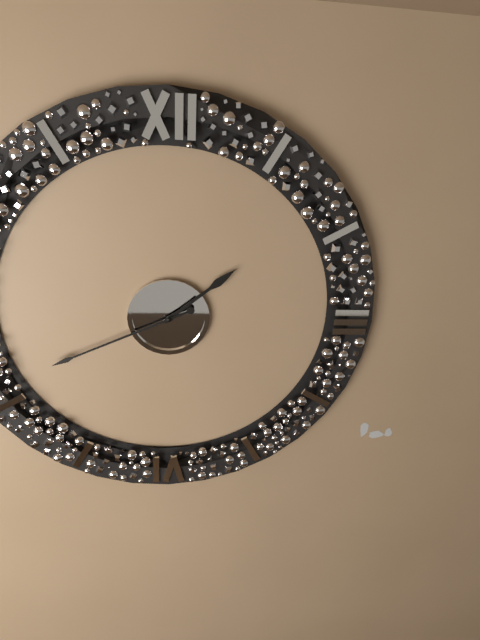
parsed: **1:41**
